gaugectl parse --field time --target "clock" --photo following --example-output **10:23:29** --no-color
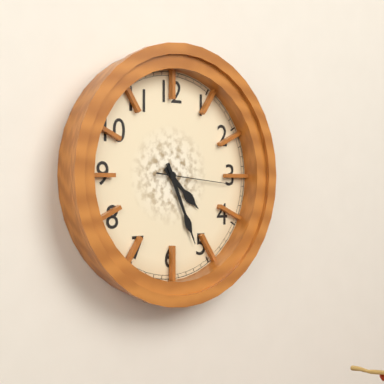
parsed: **4:26:16**
